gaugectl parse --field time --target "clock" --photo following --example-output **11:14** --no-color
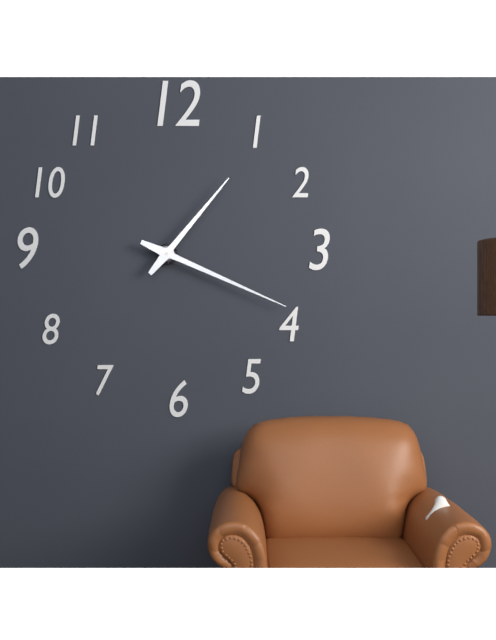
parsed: **1:19**
